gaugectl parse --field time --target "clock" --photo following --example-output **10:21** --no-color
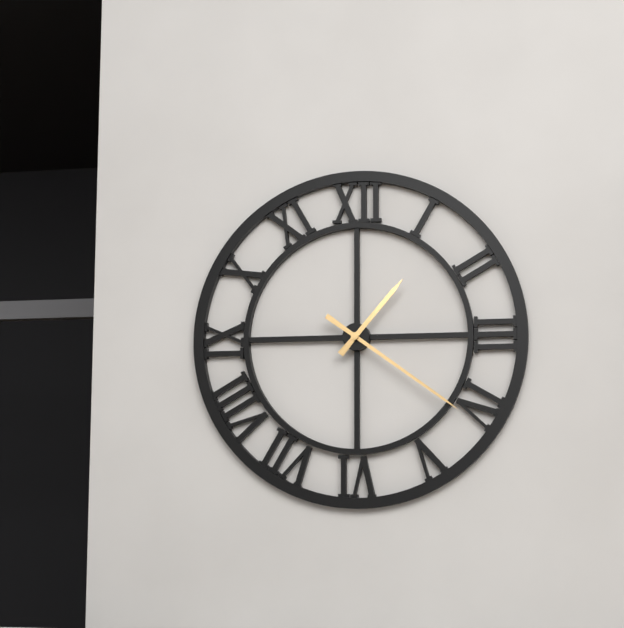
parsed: **1:21**
